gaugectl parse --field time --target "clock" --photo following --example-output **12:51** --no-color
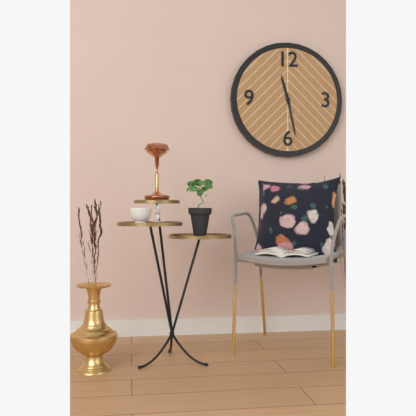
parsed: **11:28**
